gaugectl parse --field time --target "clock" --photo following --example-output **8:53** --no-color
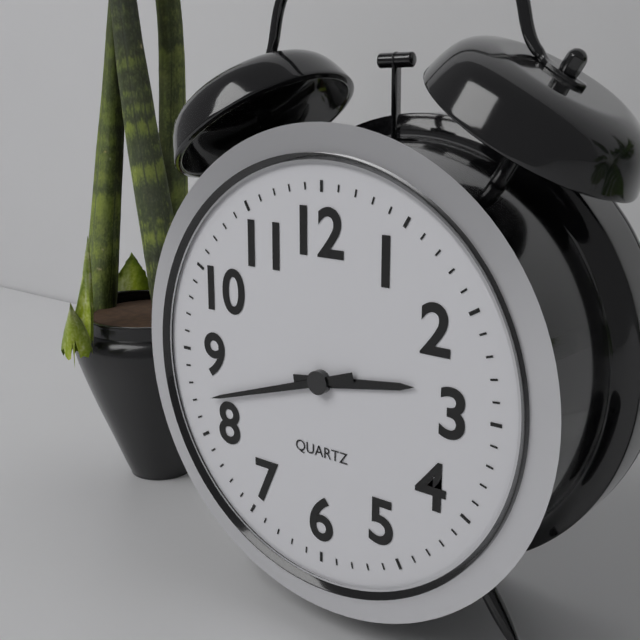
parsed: **2:42**
